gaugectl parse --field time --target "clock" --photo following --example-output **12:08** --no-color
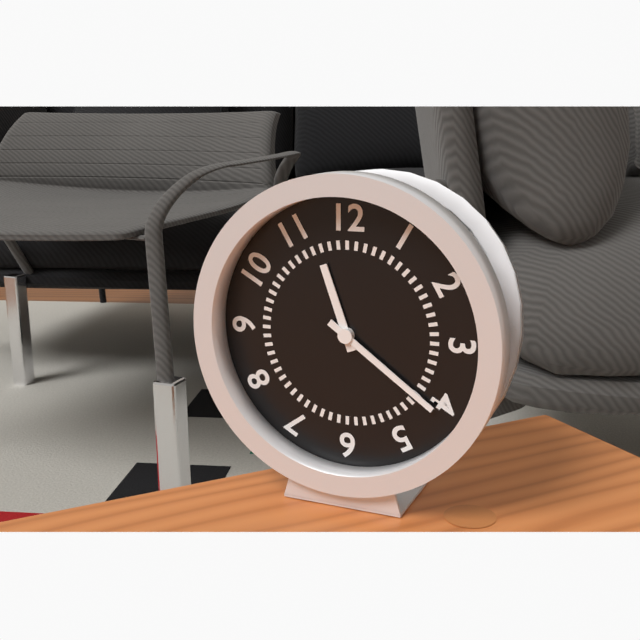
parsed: **11:21**
